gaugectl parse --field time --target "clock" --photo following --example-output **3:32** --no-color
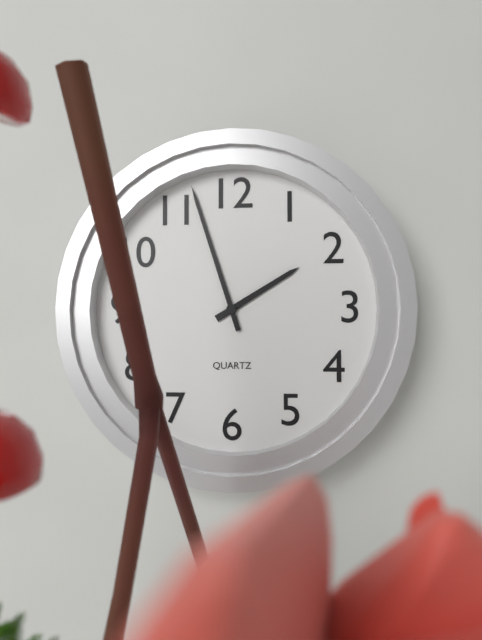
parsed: **1:57**
